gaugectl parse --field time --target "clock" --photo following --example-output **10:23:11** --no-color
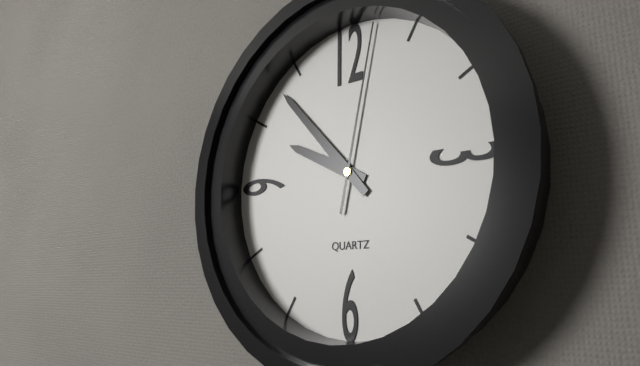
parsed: **9:53:02**
